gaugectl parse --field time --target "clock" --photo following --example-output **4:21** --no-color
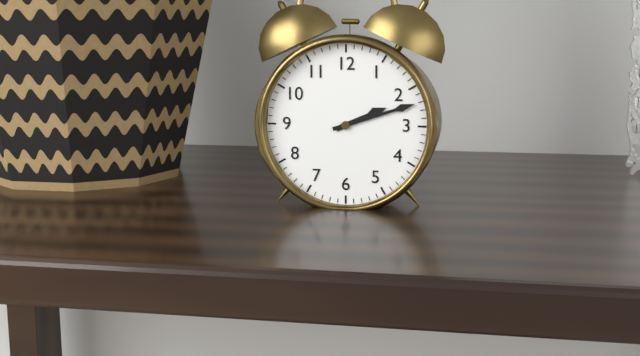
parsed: **2:12**
